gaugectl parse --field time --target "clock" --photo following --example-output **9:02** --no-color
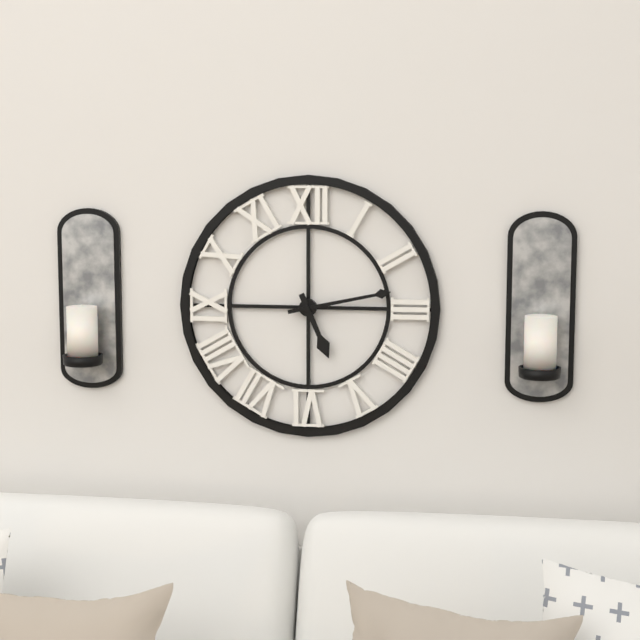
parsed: **5:13**
